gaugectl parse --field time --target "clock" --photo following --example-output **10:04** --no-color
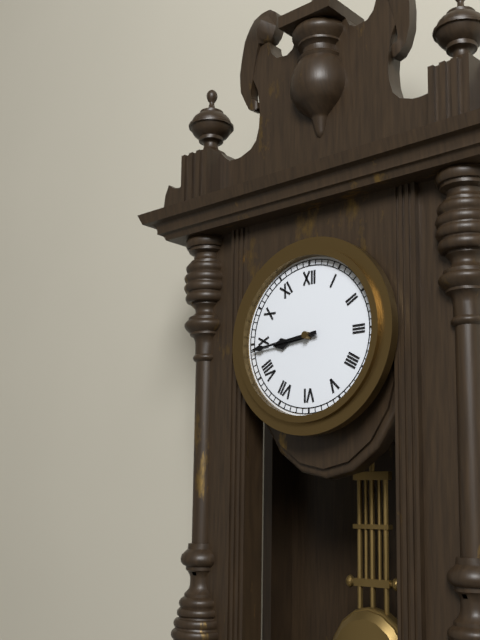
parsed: **8:44**
